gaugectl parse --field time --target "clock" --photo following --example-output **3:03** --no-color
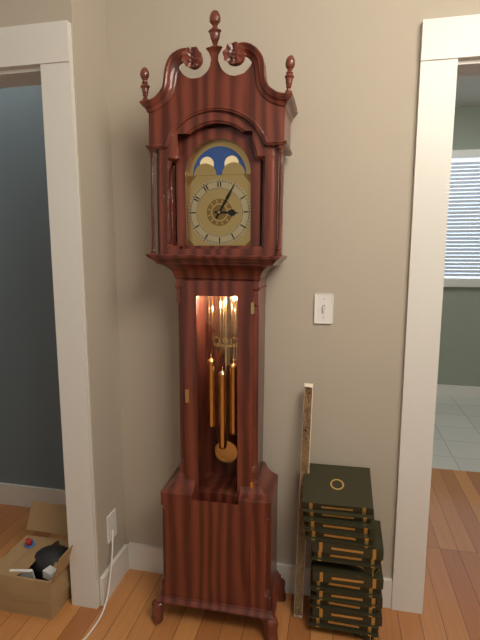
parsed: **3:05**
